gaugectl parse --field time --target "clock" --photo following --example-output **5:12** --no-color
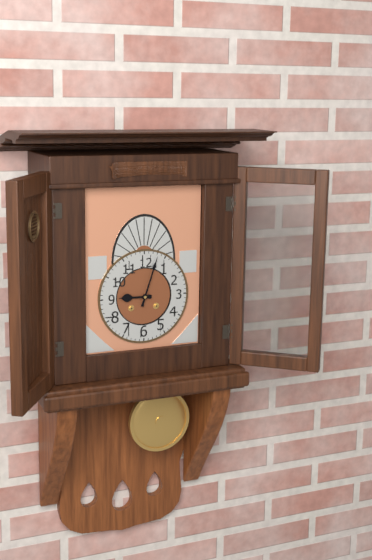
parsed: **9:03**
